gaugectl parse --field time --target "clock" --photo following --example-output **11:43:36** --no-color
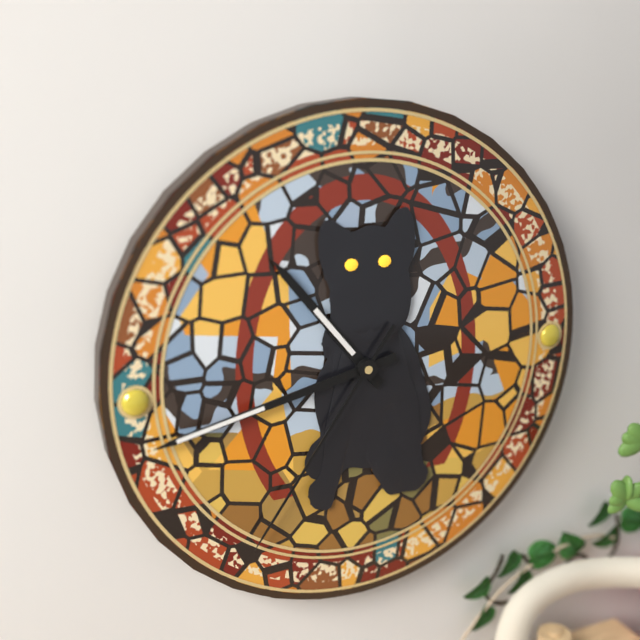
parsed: **10:43:36**
